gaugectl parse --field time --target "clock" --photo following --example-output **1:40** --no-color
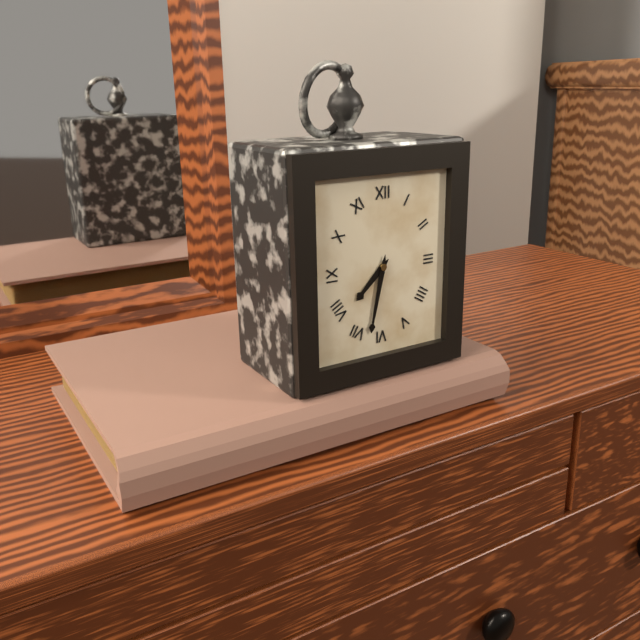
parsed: **7:32**
